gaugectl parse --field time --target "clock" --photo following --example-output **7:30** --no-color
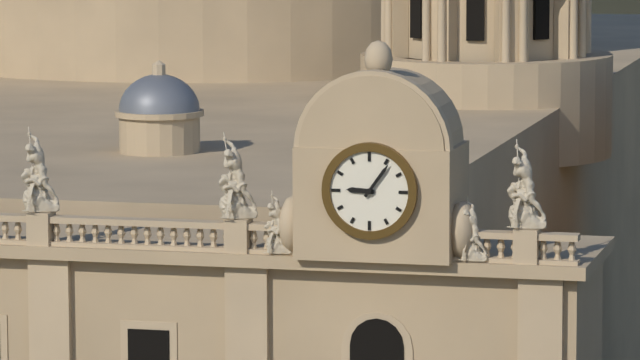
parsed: **9:06**
